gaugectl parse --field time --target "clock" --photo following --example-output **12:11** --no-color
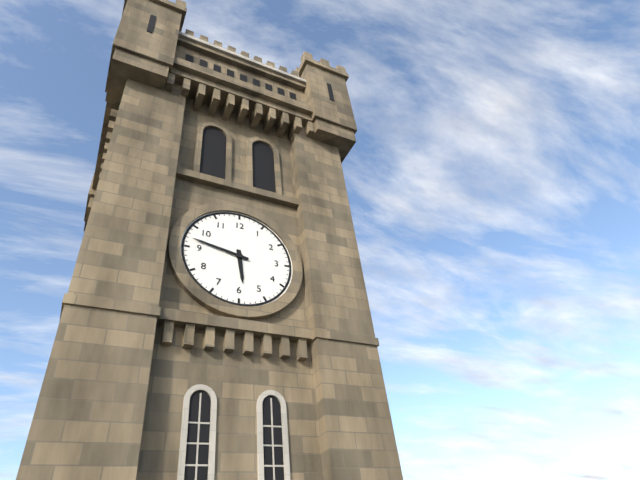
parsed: **5:47**
